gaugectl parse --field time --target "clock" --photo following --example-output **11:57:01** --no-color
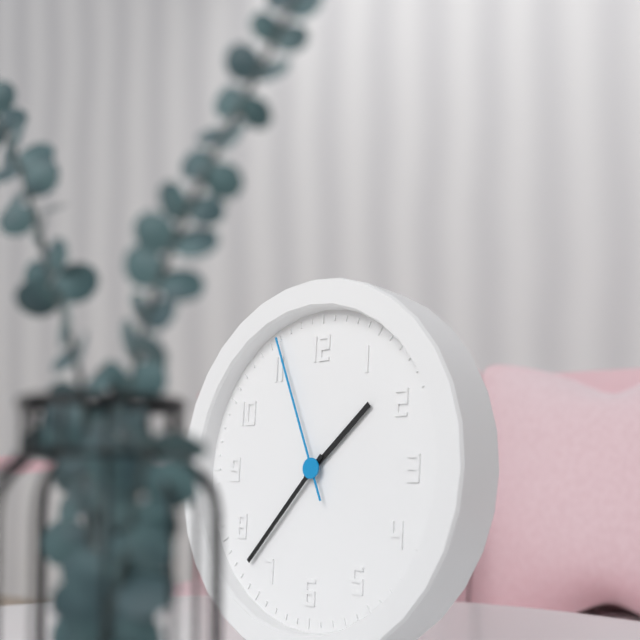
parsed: **1:37:56**
